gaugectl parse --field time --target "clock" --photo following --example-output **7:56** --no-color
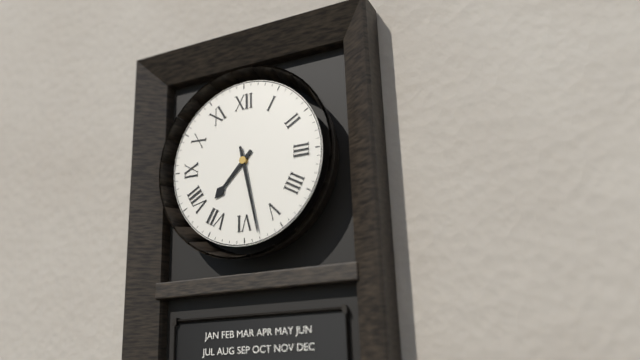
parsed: **7:28**
